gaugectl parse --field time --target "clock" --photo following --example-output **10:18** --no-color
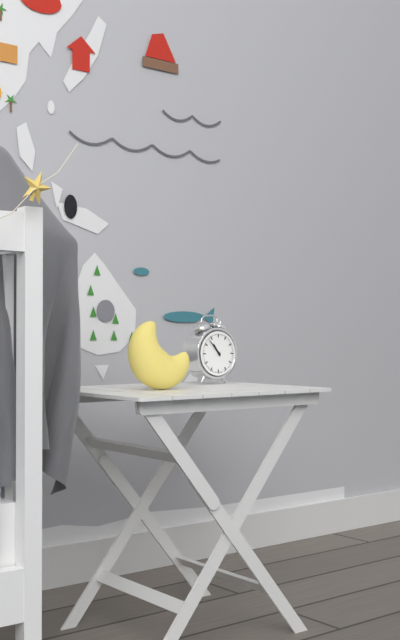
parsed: **10:53**
